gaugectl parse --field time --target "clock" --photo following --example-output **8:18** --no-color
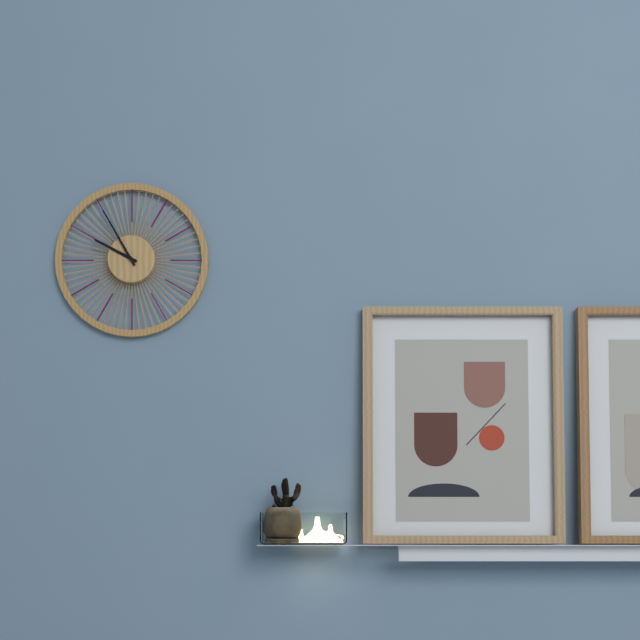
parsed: **9:55**
